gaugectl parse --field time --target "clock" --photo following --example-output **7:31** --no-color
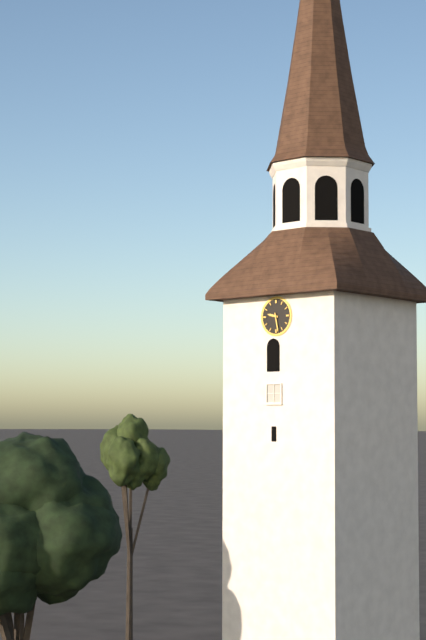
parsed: **9:28**
